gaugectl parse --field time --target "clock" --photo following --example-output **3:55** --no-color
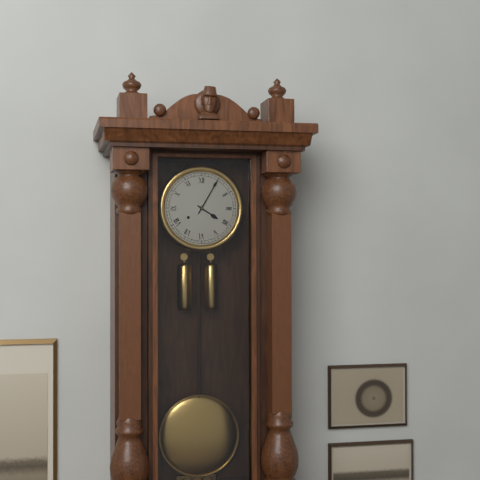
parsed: **4:05**
